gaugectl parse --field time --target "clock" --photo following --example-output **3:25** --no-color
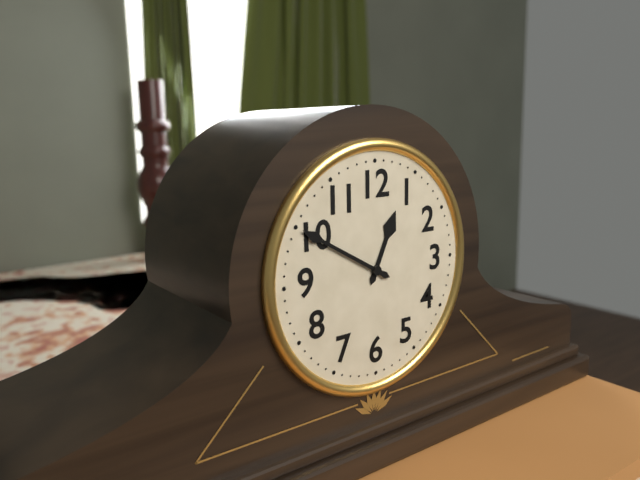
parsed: **12:50**
